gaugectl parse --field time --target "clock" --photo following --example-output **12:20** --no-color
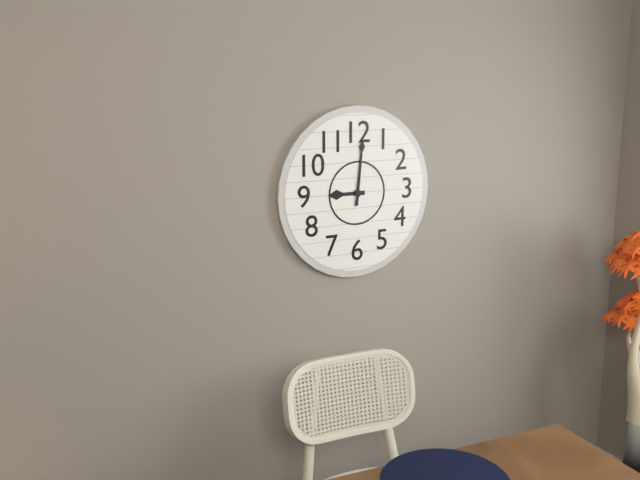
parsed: **9:01**
